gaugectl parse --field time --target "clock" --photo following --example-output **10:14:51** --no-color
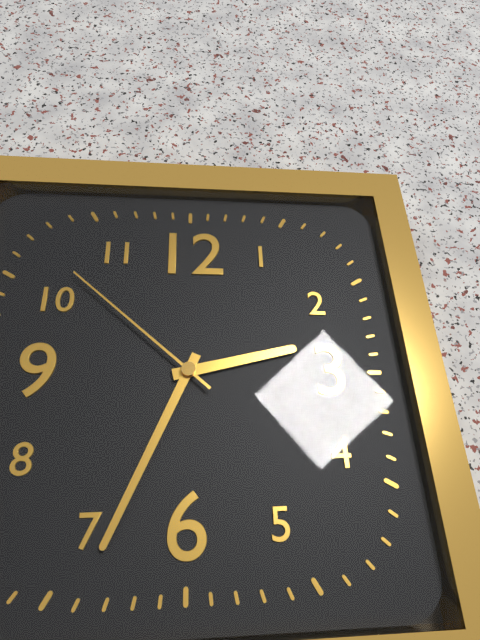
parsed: **2:34:52**
